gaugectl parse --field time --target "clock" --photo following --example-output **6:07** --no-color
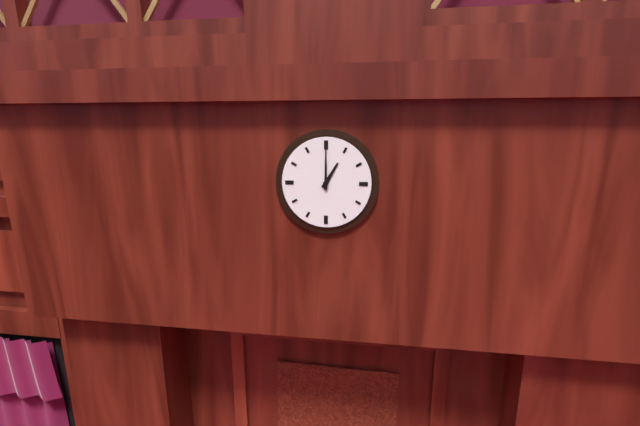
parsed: **1:00**
